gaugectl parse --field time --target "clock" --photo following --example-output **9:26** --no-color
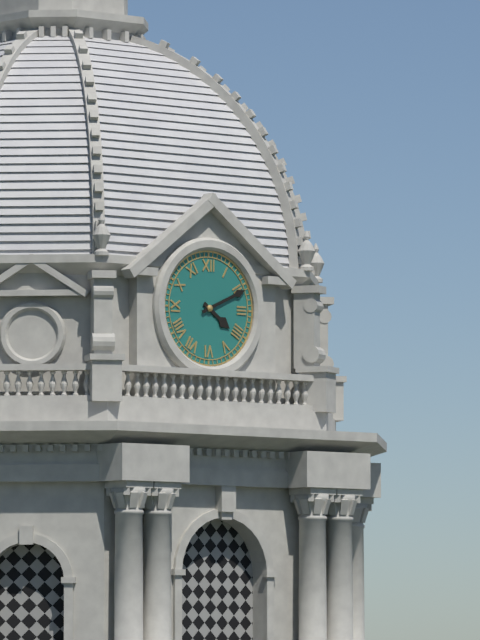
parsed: **4:11**
